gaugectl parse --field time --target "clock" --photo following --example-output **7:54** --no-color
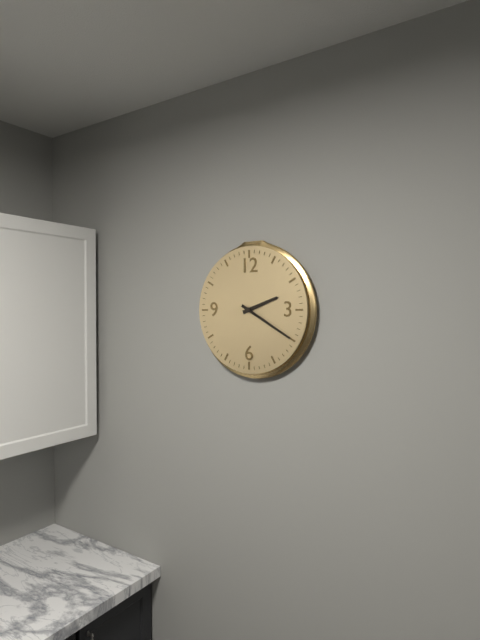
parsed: **2:20**
